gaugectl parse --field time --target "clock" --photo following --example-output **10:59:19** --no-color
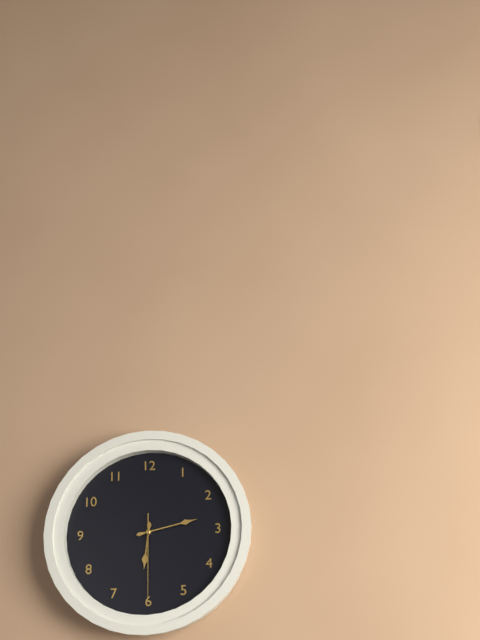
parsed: **6:13:30**
